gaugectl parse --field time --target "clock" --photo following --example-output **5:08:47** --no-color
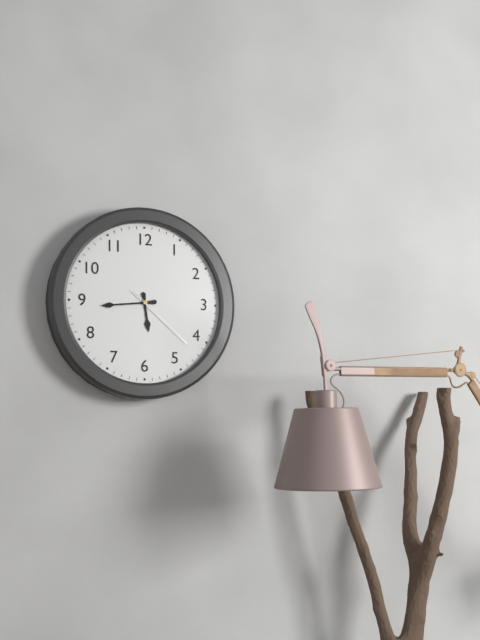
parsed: **5:44:22**
